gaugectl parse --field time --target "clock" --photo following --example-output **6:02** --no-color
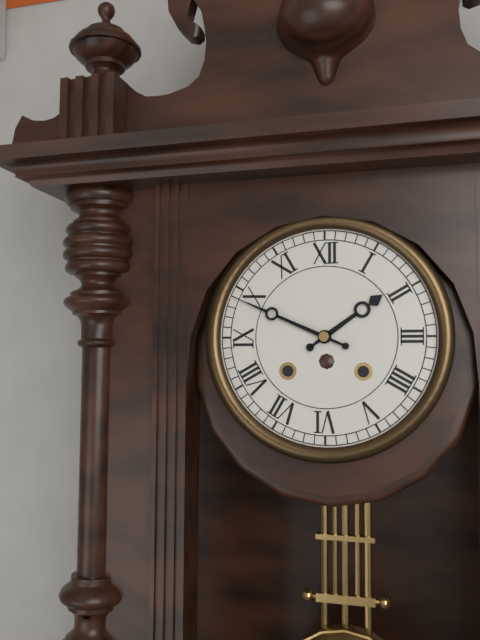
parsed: **1:49**
